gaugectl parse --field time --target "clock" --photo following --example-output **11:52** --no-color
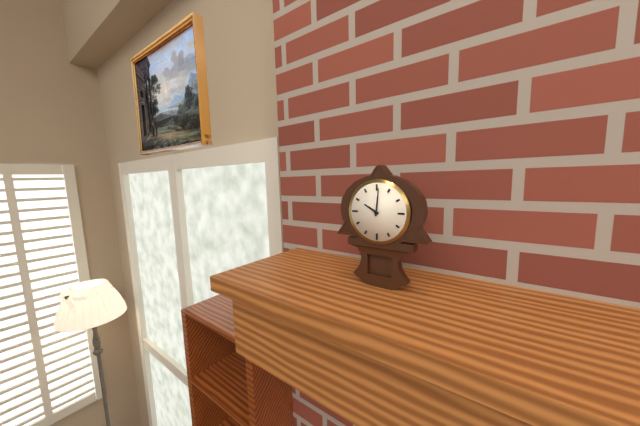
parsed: **10:01**
